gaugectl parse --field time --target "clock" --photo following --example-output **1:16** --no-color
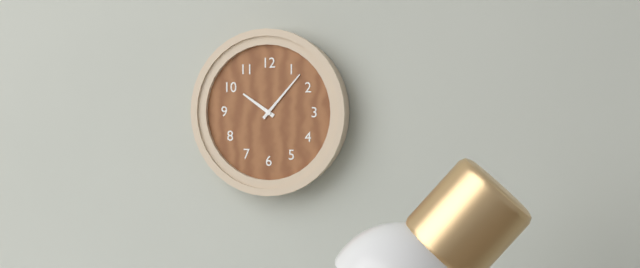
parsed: **10:07**
